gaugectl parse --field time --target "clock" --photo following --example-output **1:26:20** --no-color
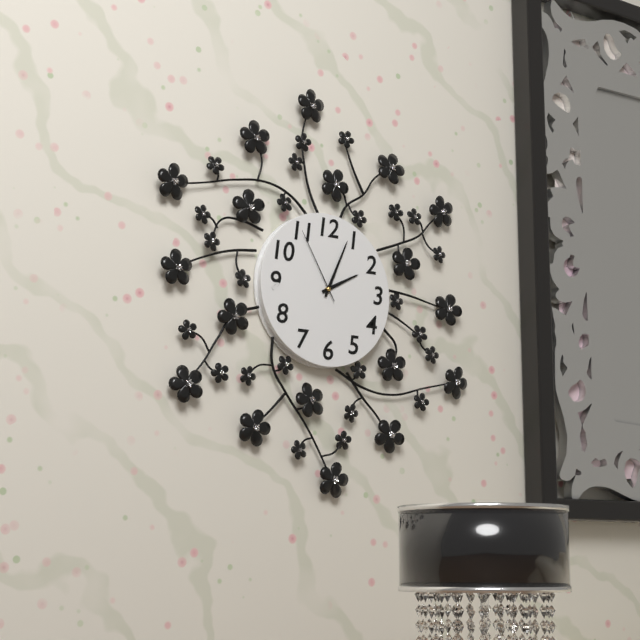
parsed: **2:04:55**
